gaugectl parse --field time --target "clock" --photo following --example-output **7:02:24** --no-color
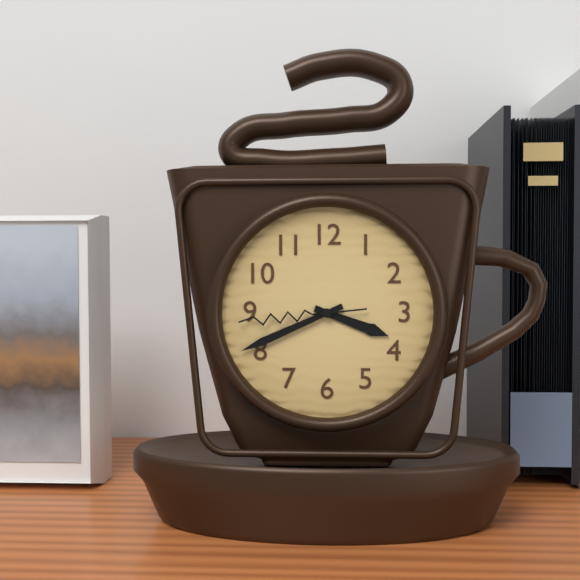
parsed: **3:41:44**
